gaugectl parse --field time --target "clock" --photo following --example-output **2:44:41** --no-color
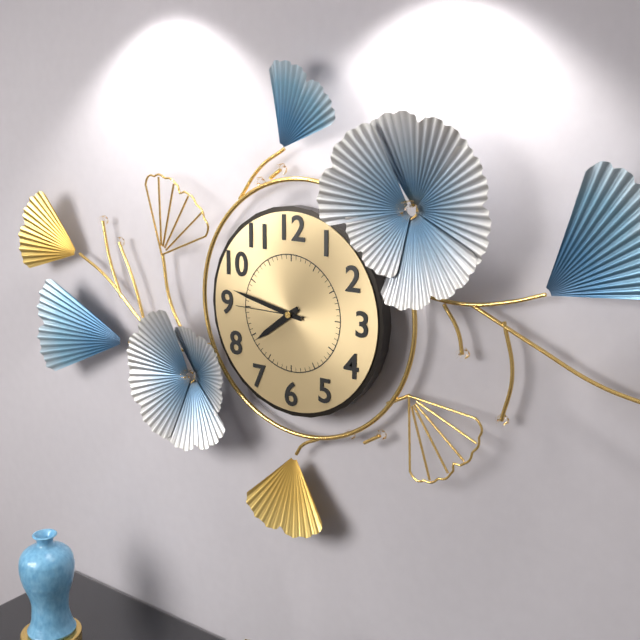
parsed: **7:47:45**
